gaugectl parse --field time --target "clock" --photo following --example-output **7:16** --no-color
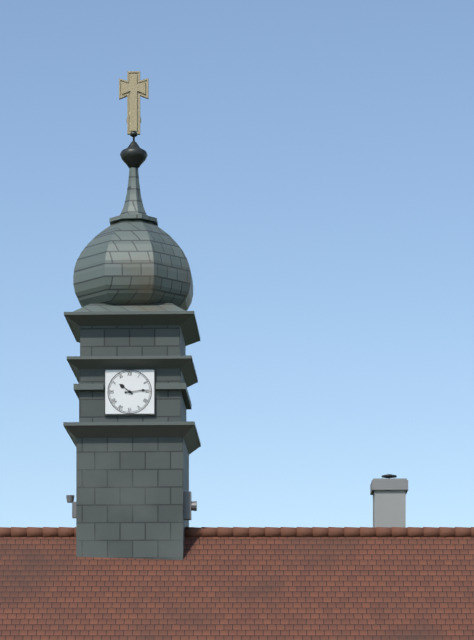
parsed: **10:14**
